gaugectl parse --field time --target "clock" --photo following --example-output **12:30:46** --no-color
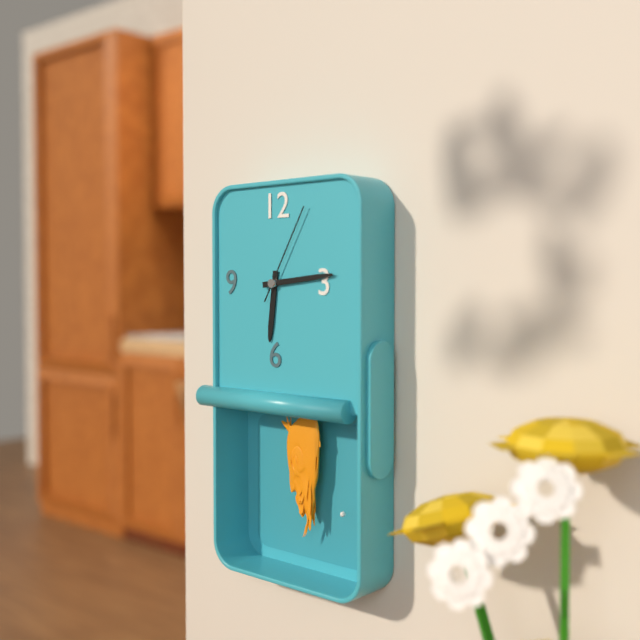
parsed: **6:14:05**
